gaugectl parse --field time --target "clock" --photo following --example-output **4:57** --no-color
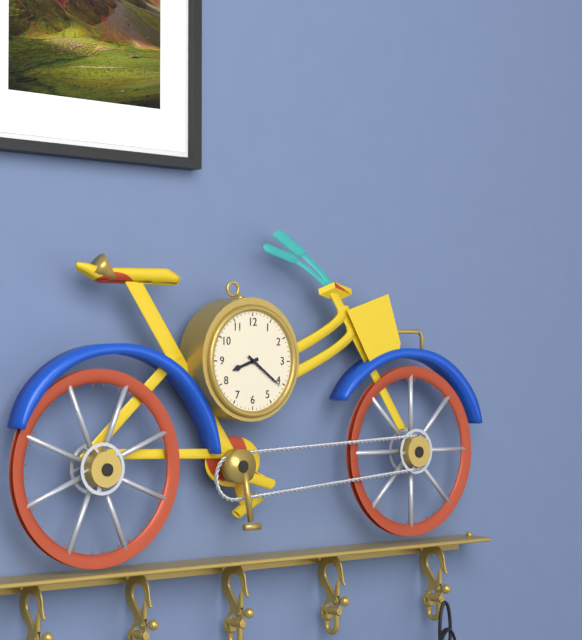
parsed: **8:21**
